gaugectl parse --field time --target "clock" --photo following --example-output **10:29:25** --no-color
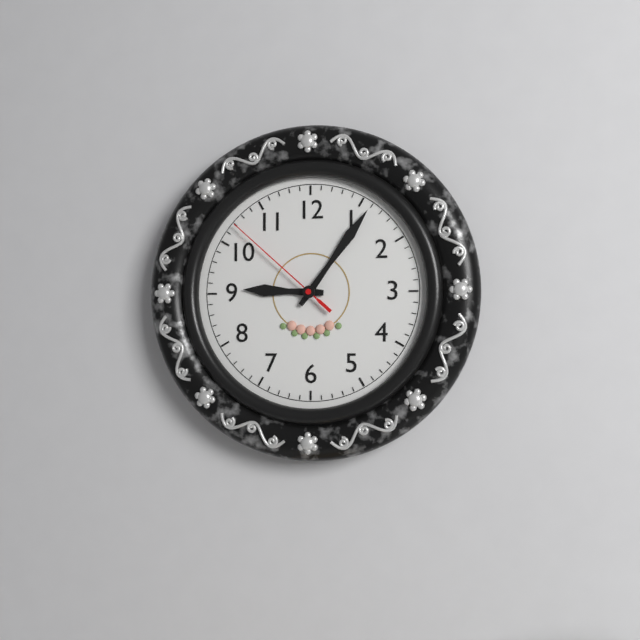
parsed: **9:06:52**
